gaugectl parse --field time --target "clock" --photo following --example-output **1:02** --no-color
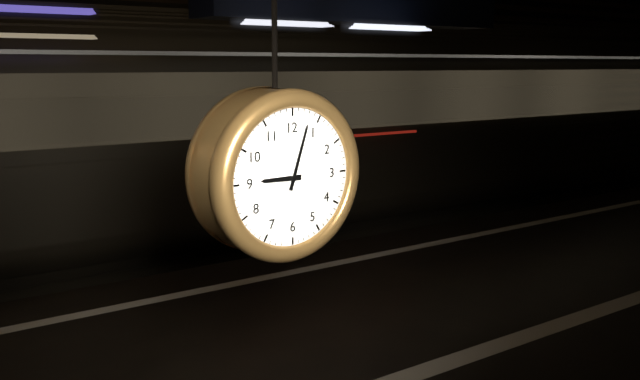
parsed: **9:03**
